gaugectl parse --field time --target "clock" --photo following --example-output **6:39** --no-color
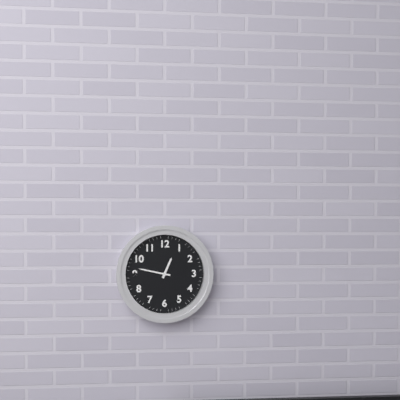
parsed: **12:47**
